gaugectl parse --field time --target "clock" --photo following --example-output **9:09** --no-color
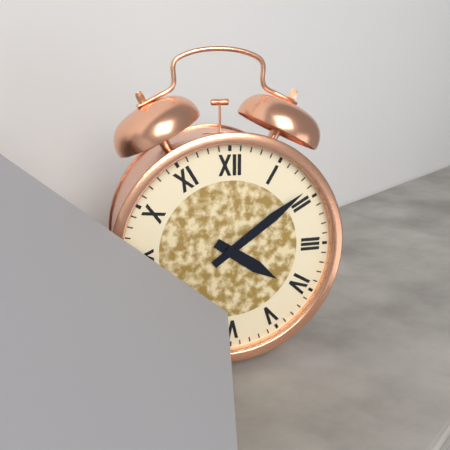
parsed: **4:09**
